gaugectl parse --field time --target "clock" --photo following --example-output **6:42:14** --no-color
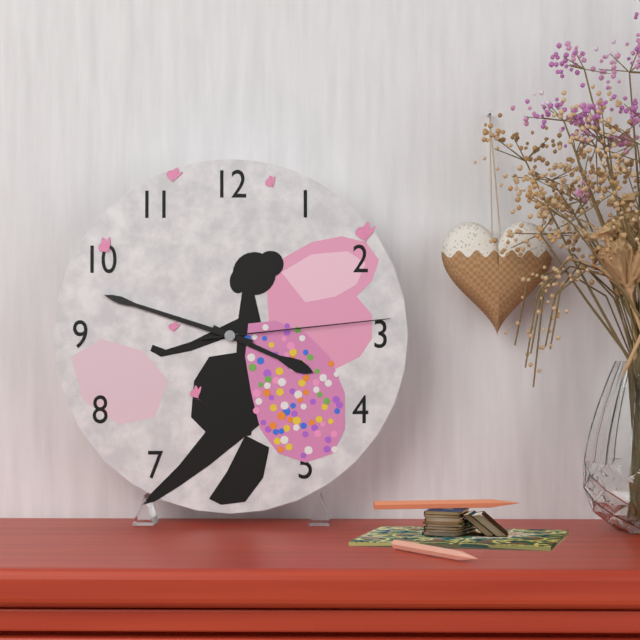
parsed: **3:48:14**
